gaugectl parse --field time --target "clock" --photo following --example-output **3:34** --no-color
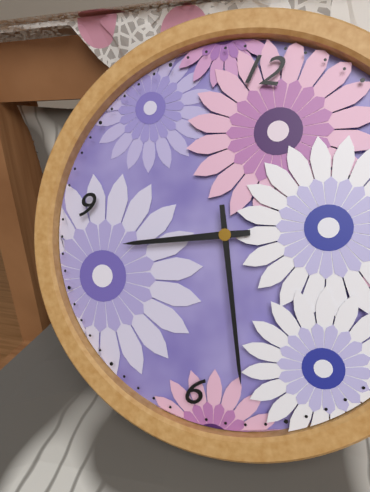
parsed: **8:27**
